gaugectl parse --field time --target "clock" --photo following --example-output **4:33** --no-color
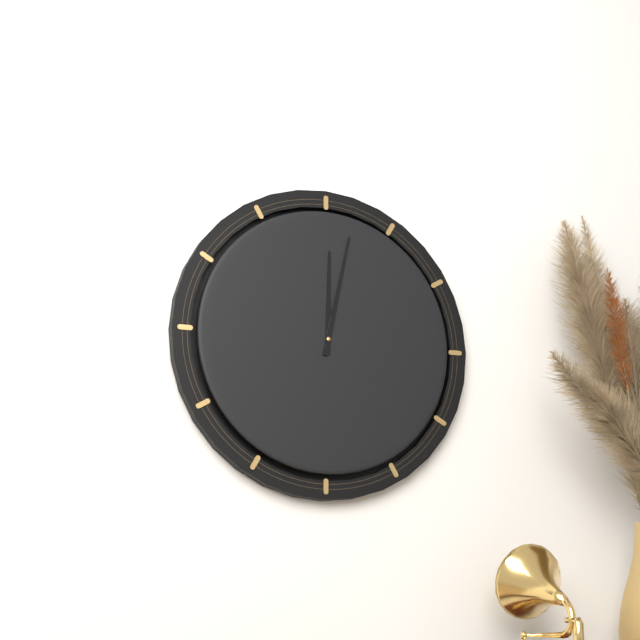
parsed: **12:02**
